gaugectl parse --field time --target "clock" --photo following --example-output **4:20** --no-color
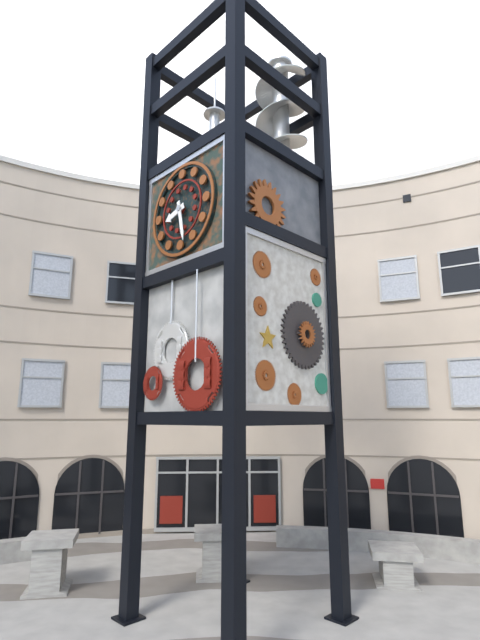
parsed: **8:28**
